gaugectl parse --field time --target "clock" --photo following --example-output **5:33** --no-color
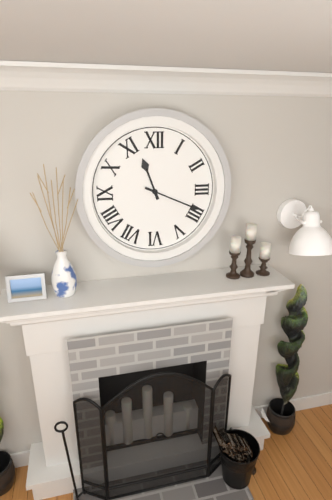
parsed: **11:19**
